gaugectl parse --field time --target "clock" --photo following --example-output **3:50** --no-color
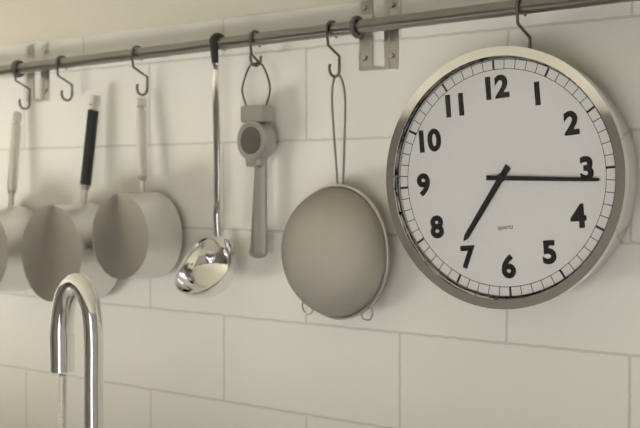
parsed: **7:16**
